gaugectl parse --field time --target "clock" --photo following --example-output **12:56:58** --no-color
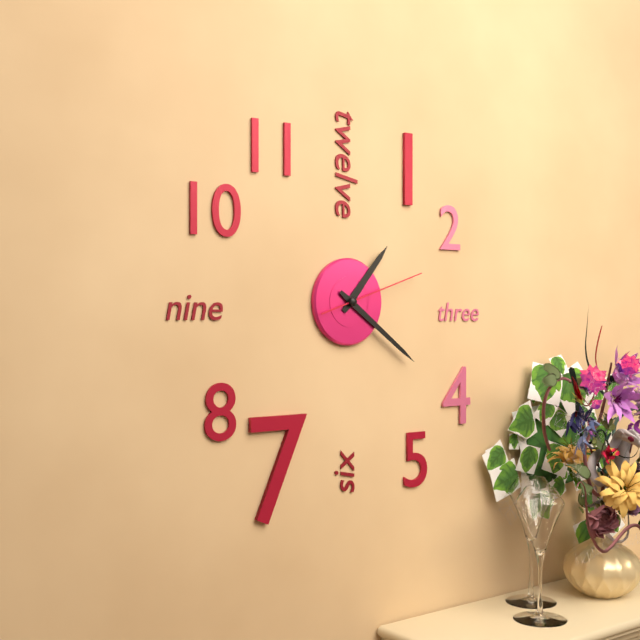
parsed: **1:21:12**
